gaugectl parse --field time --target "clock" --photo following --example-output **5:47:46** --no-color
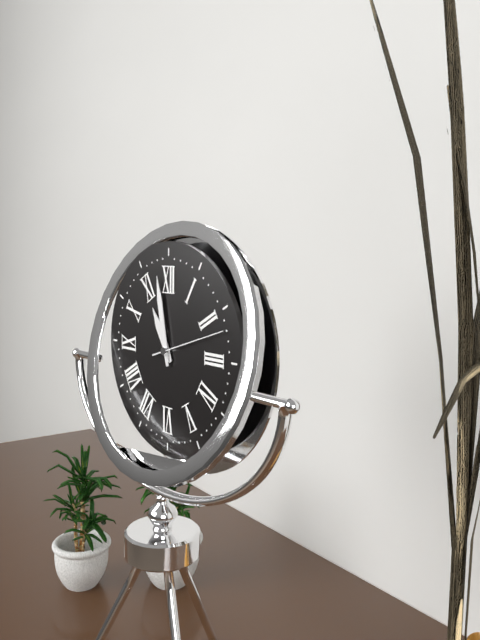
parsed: **10:58:12**
